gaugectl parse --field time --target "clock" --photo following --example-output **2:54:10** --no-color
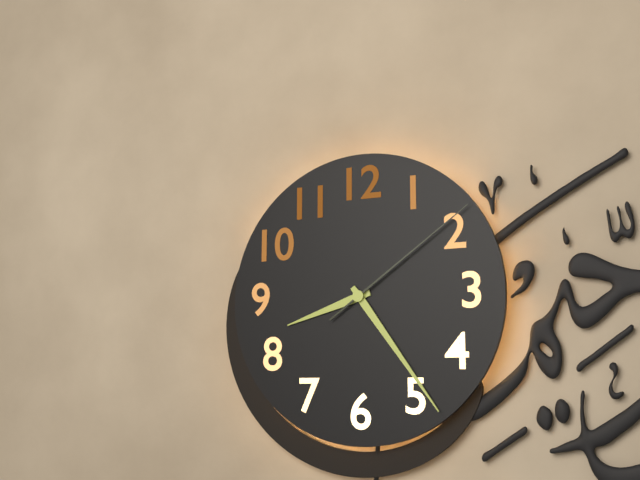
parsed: **8:24:09**
